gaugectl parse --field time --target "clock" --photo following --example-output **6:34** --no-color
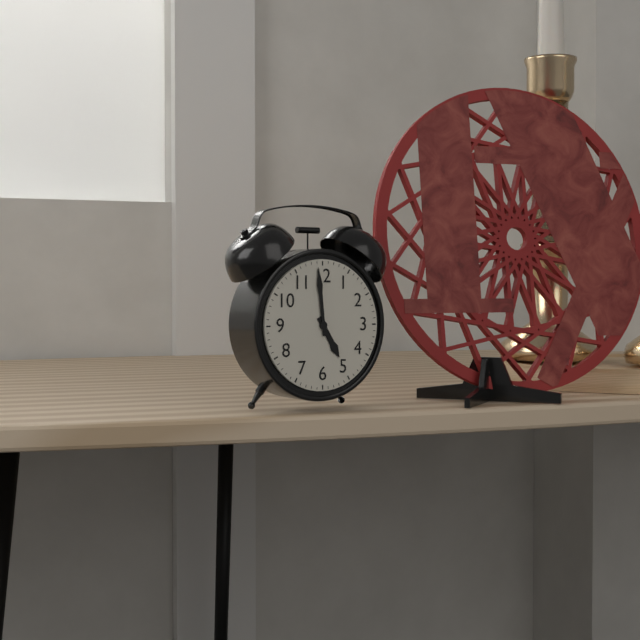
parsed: **4:59**
